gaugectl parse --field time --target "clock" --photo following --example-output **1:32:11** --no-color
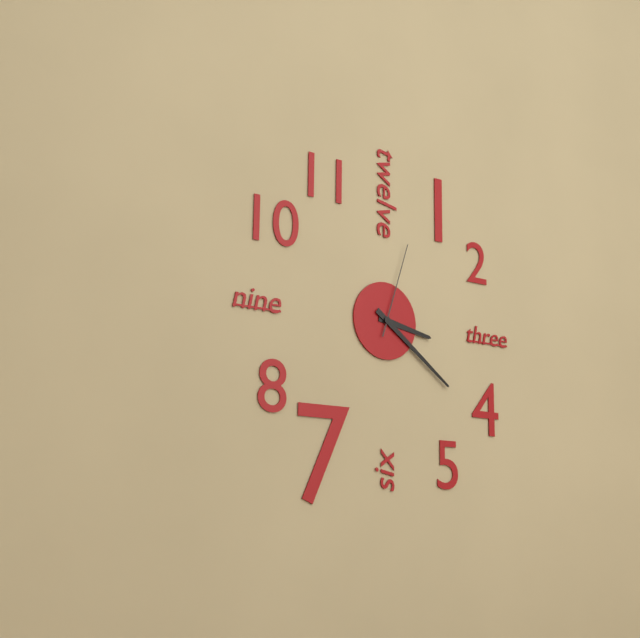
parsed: **3:21:03**
